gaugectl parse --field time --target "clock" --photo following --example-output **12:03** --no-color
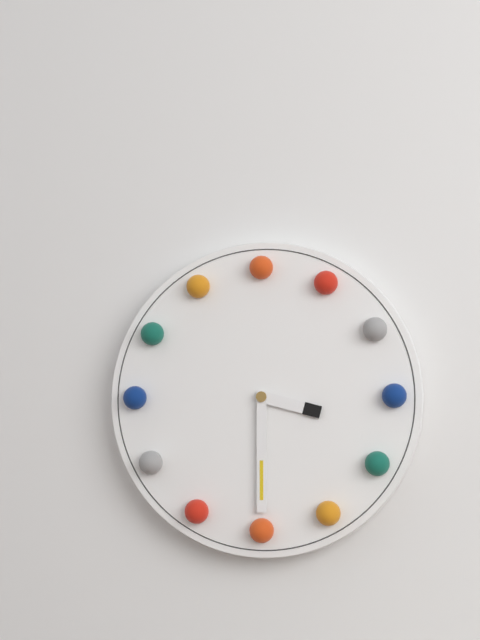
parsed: **3:30**
